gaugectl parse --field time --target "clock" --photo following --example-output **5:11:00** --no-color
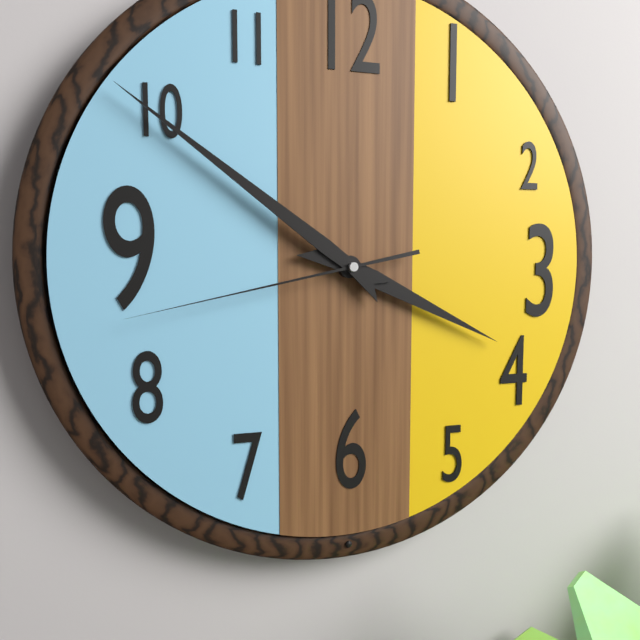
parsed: **3:51:43**
